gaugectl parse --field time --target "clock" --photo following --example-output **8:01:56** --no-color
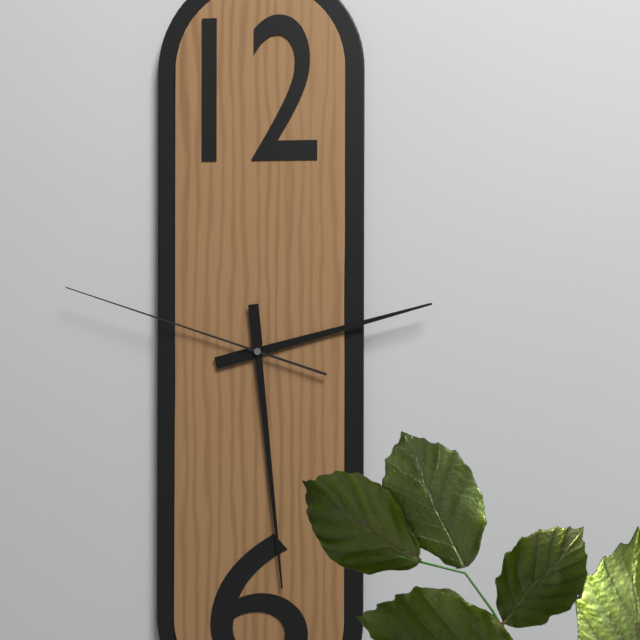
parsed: **2:29:48**
